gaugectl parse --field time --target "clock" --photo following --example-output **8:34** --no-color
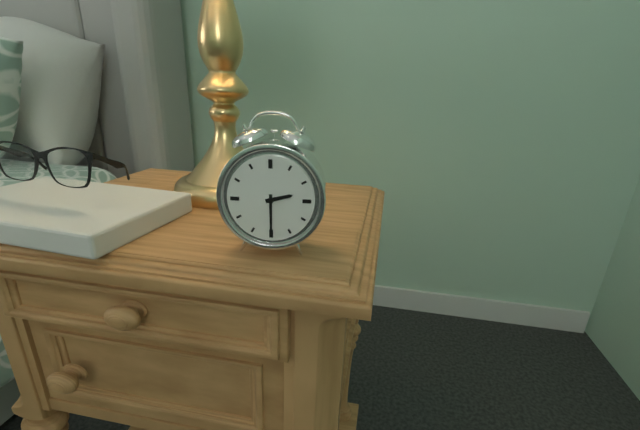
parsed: **2:30**
